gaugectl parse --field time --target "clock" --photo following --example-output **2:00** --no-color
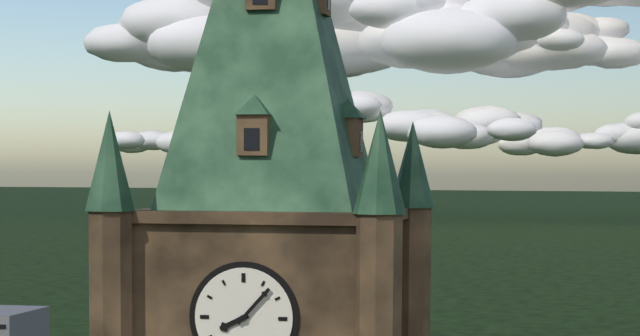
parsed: **8:07**
